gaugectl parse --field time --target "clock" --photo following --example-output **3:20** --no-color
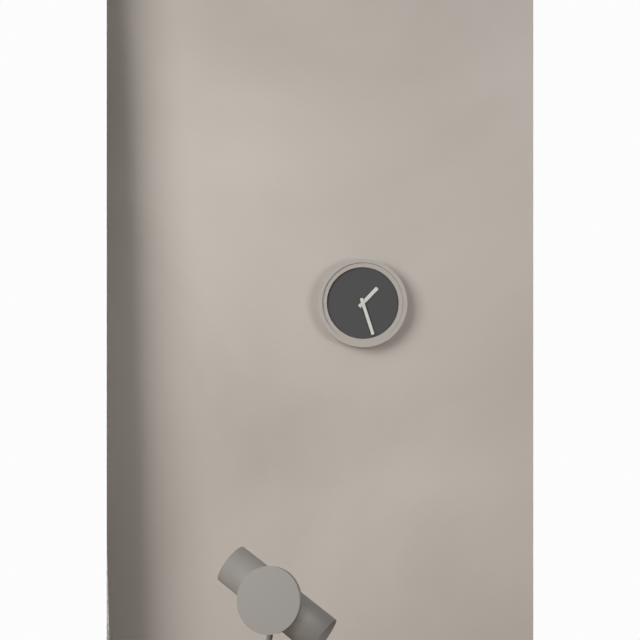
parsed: **1:27**
